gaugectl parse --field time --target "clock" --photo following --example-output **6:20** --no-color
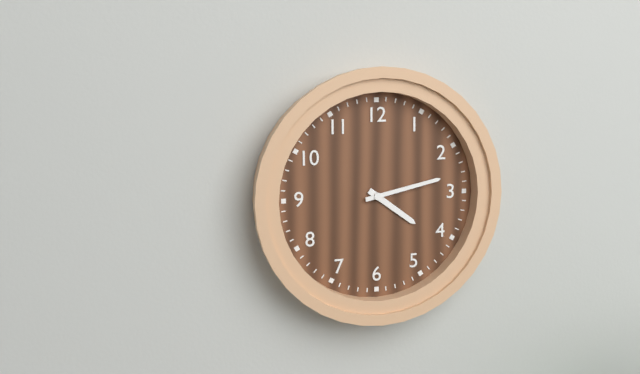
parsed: **4:13**
